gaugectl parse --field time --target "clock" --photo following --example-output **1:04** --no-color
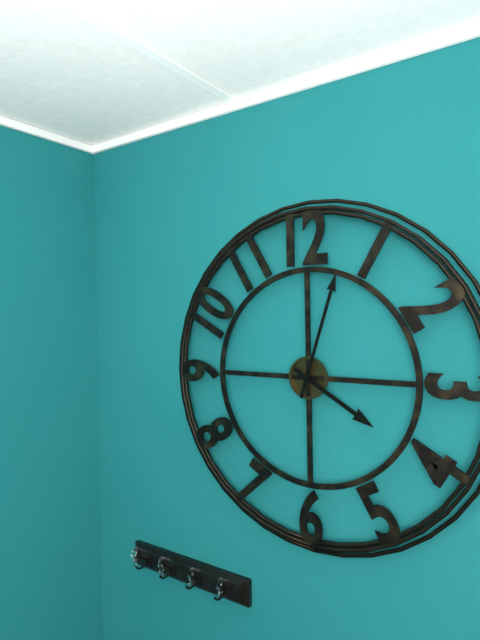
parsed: **4:03**
